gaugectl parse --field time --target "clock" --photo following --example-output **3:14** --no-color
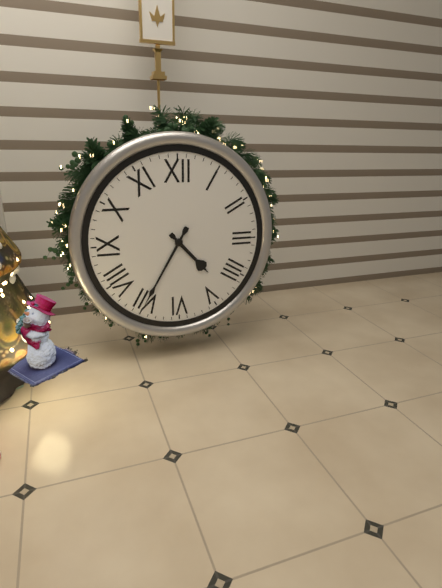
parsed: **4:35**
